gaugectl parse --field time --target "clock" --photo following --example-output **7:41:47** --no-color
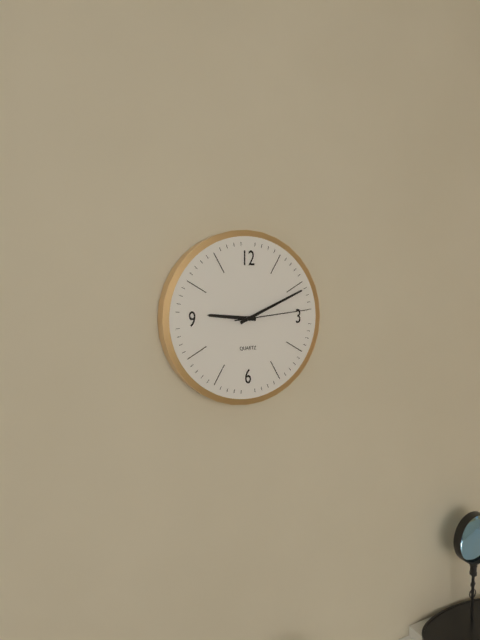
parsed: **9:11:14**
